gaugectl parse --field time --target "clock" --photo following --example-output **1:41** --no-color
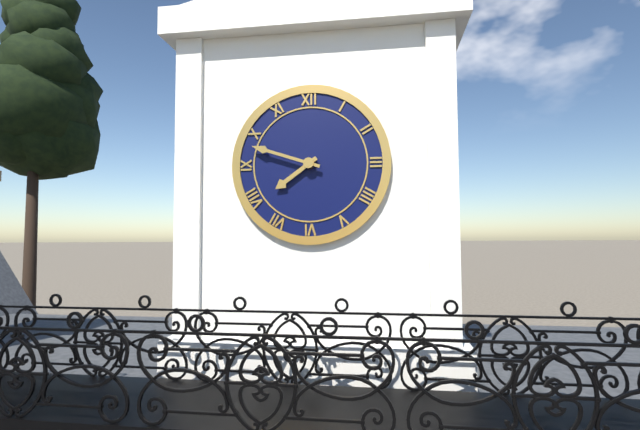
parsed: **7:48**
